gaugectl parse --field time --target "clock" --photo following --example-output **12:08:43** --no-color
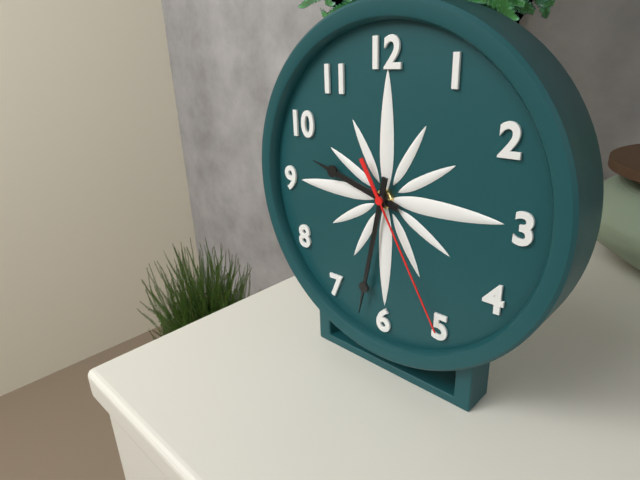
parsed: **9:32:25**
